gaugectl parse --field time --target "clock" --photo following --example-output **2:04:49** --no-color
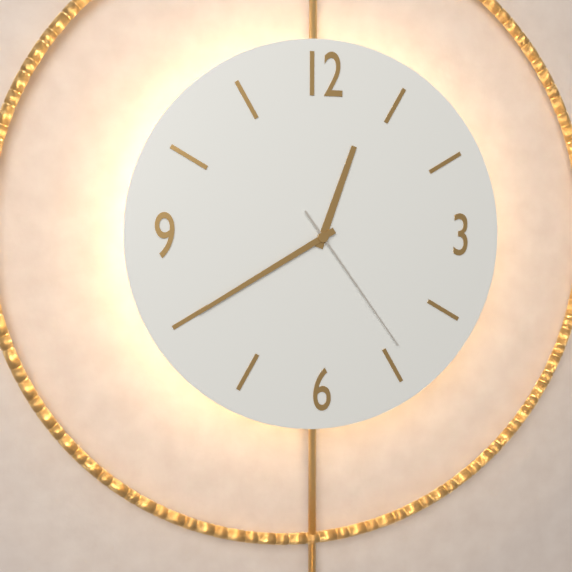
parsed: **12:40:24**
